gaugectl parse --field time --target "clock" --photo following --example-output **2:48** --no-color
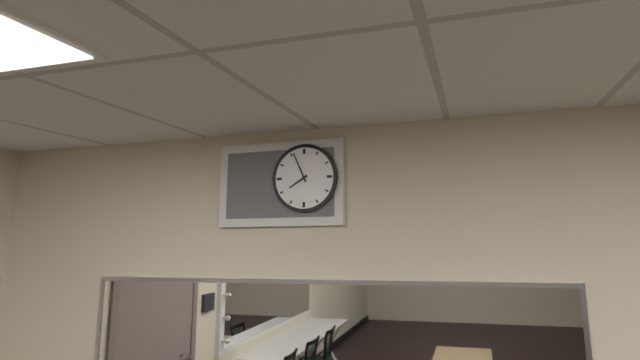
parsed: **7:56**
